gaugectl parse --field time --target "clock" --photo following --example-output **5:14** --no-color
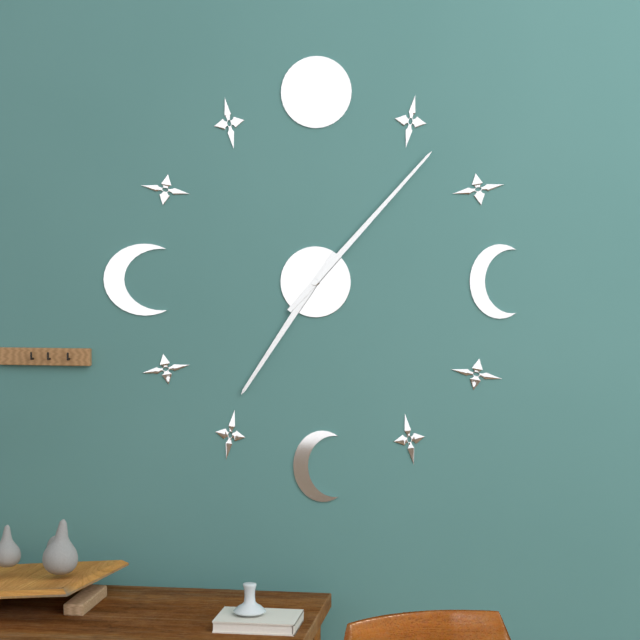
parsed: **7:07**
